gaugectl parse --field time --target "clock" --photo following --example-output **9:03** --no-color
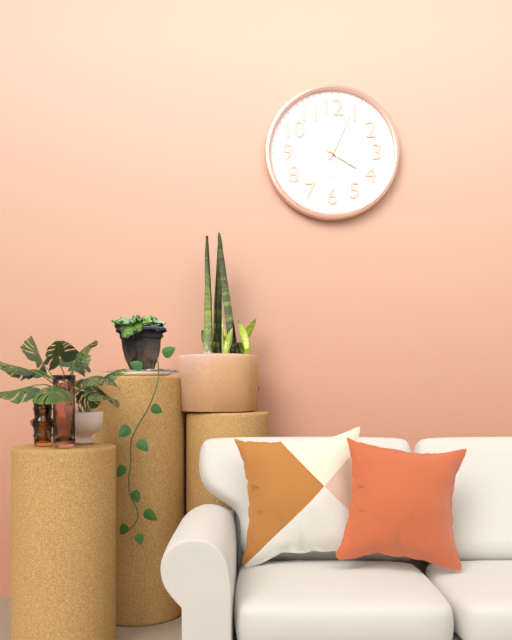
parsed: **4:04**
